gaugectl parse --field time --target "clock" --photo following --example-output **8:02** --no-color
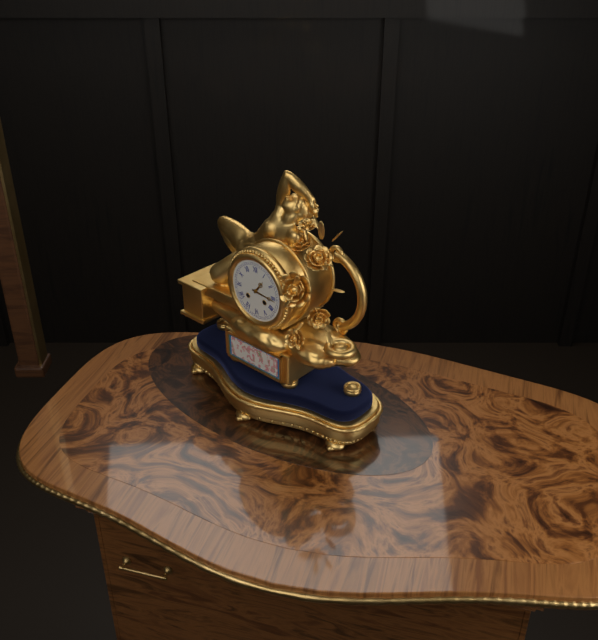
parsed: **1:16**
